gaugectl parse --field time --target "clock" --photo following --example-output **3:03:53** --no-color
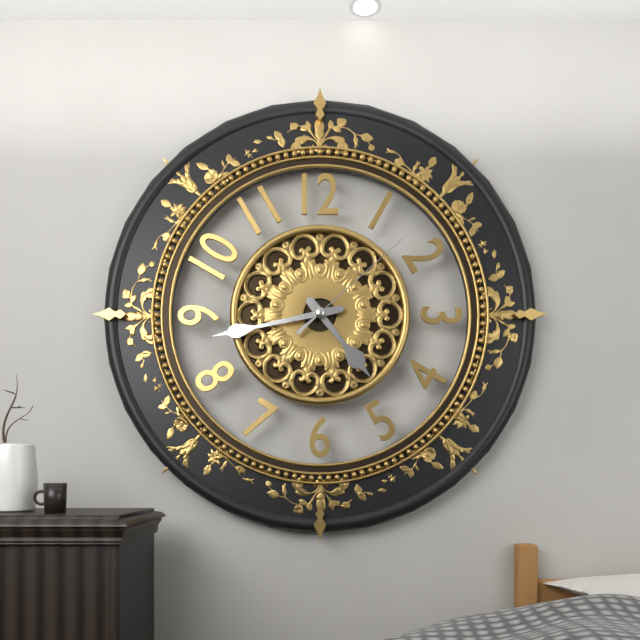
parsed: **4:43:08**
